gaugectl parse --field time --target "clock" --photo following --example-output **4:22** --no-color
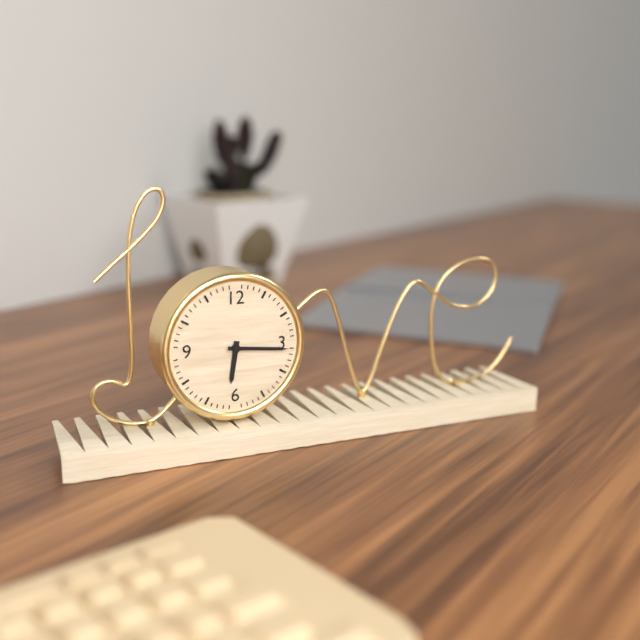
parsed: **6:16**
